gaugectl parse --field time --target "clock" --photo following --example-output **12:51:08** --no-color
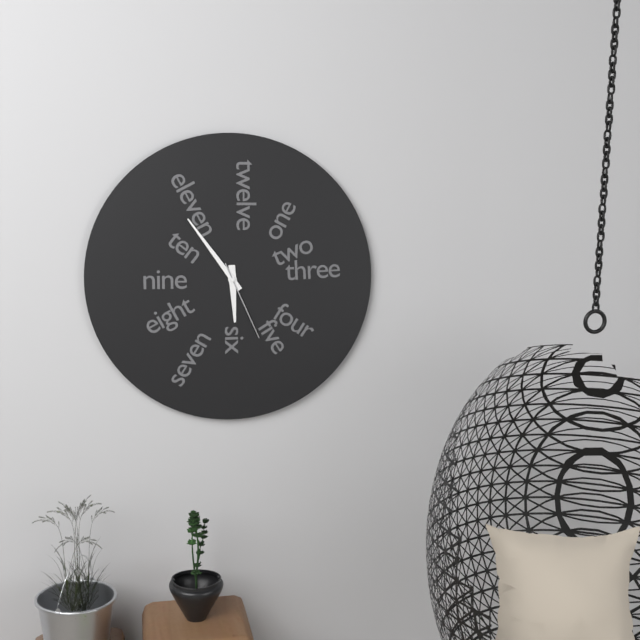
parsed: **5:54:26**
